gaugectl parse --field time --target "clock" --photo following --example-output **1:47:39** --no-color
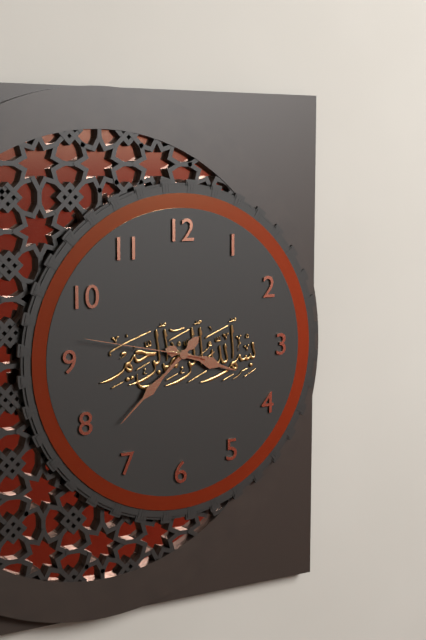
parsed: **3:38:47**
